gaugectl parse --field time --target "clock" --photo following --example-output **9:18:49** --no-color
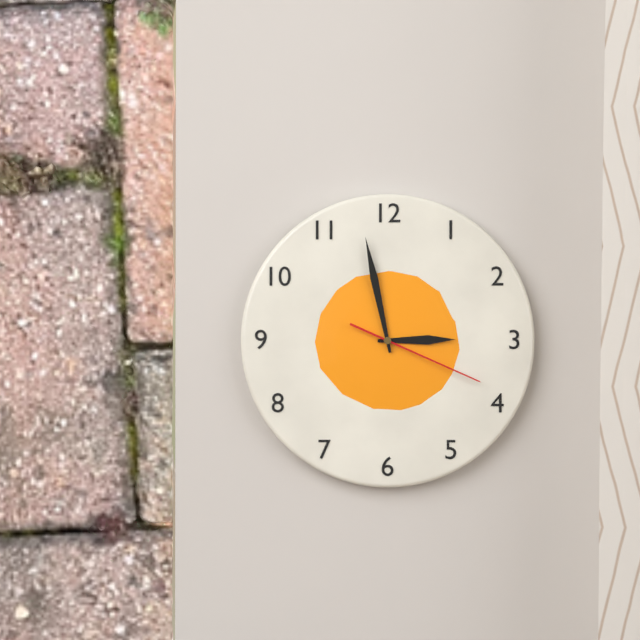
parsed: **2:58:19**
